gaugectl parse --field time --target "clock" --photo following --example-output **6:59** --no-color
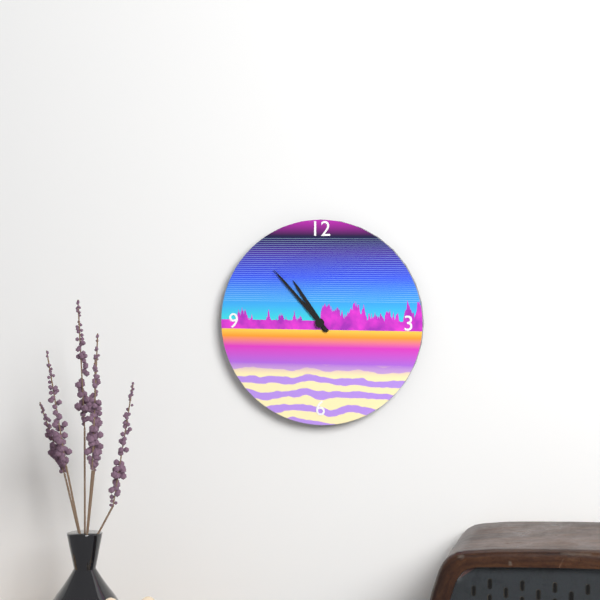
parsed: **10:53**
